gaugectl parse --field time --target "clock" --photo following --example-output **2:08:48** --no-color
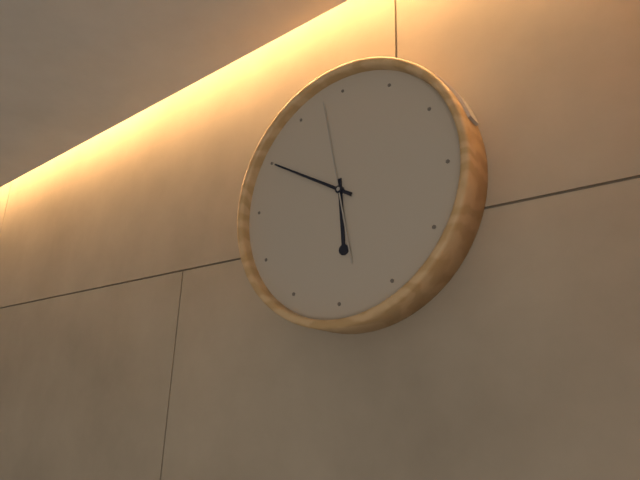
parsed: **5:50:58**
